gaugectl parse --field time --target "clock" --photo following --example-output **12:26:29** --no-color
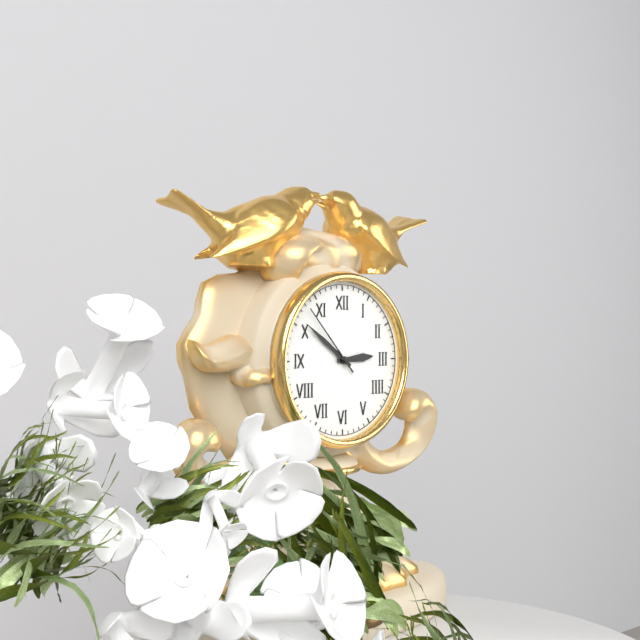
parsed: **2:51:53**
